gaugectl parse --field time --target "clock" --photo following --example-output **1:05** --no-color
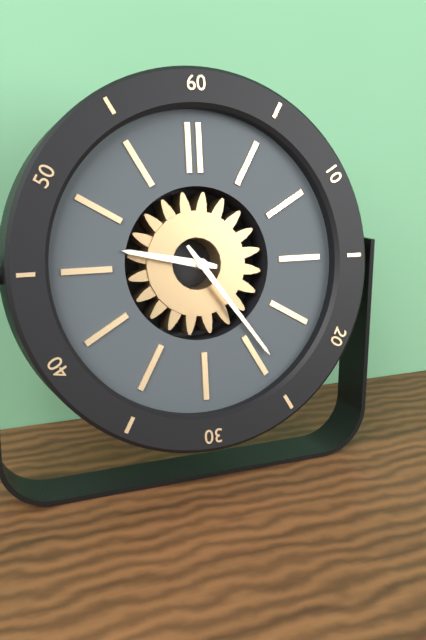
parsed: **9:24**
